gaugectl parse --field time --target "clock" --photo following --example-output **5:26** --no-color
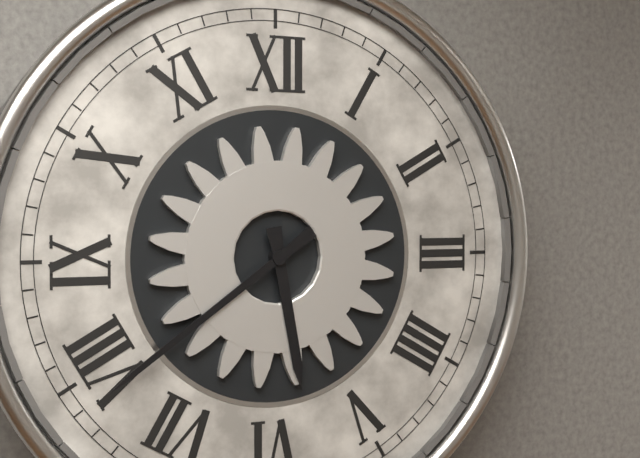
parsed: **5:39**
